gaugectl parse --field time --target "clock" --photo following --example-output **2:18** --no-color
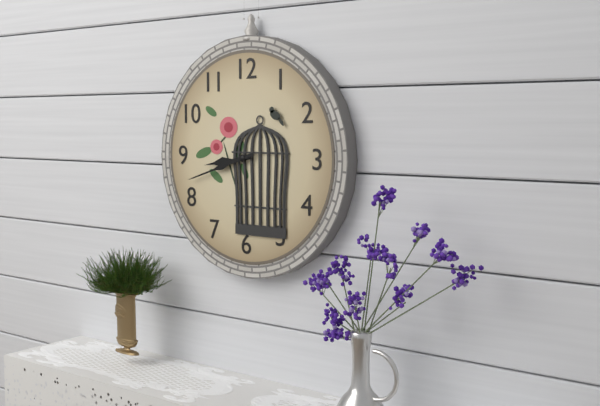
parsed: **8:42**
